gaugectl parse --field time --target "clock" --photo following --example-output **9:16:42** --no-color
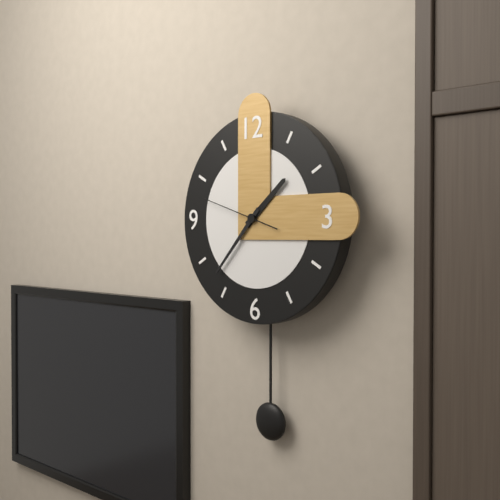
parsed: **1:37:48**
